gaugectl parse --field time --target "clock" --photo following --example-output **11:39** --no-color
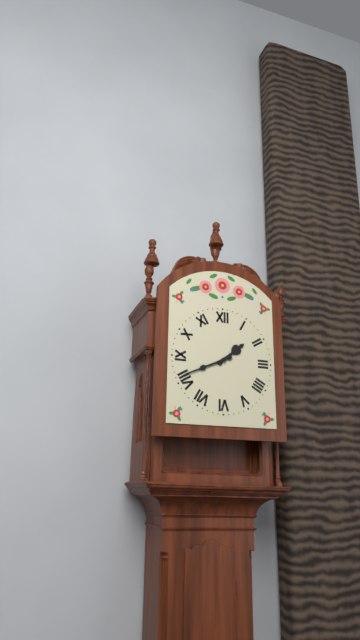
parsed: **1:41**
